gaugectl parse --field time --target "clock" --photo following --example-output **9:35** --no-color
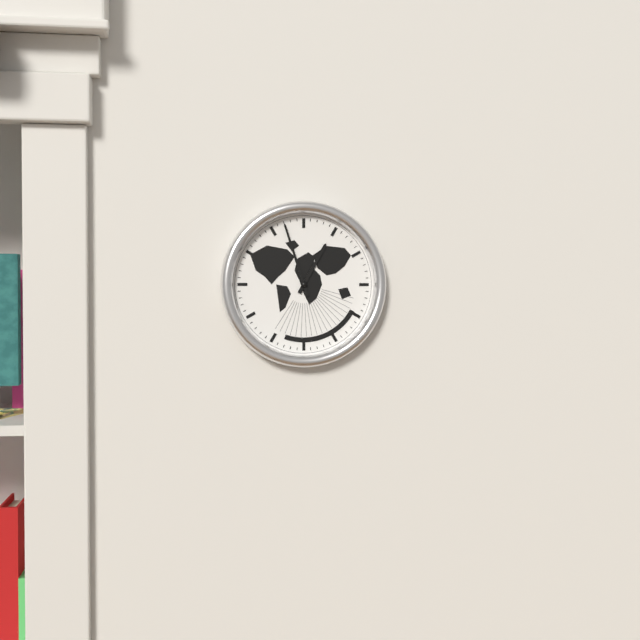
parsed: **12:57**
